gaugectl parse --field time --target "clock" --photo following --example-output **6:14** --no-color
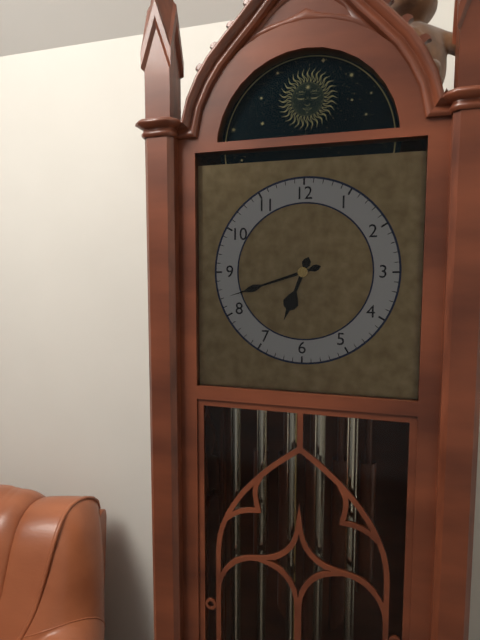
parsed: **6:42**
